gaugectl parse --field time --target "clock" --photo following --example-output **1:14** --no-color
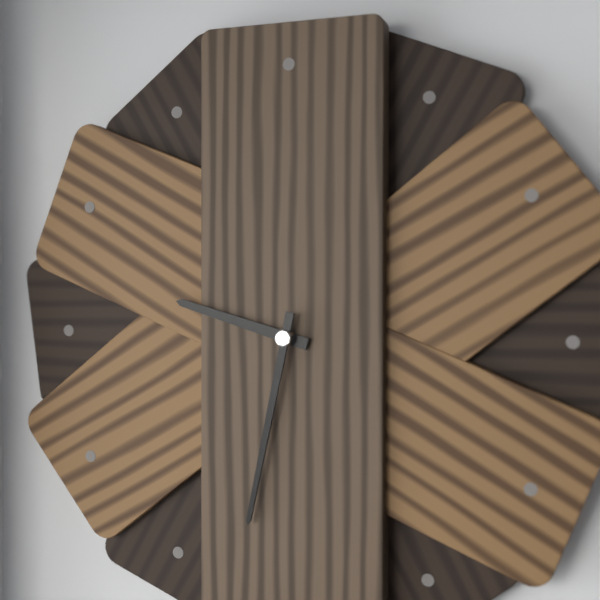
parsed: **9:32**
